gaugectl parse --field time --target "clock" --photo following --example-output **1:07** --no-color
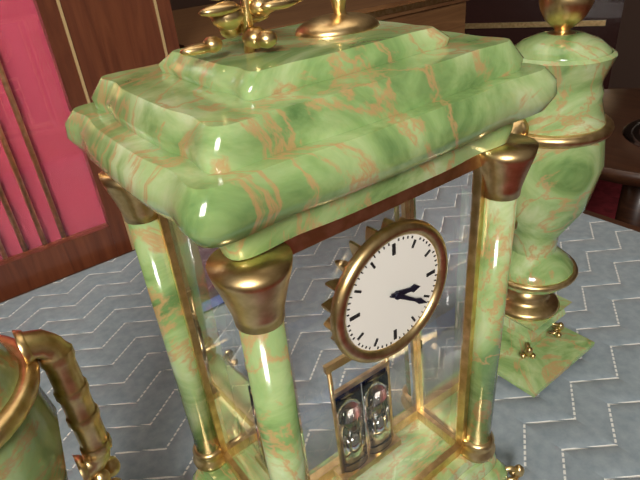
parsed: **3:21**
